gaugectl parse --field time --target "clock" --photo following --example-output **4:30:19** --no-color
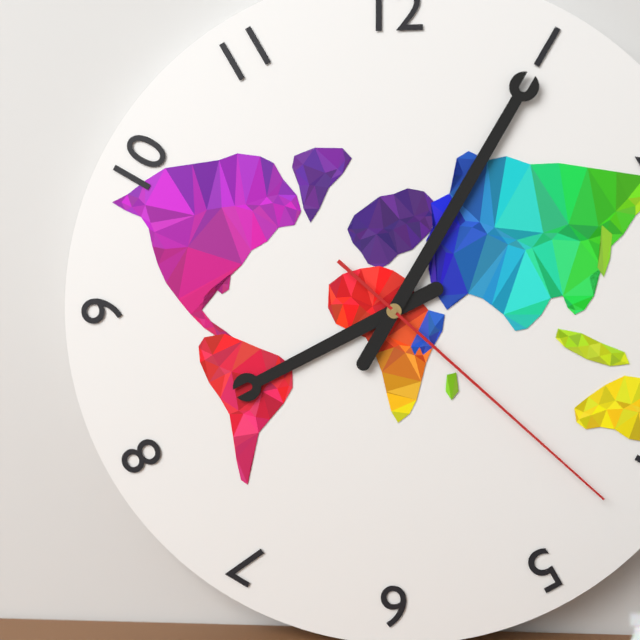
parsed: **8:05:22**
